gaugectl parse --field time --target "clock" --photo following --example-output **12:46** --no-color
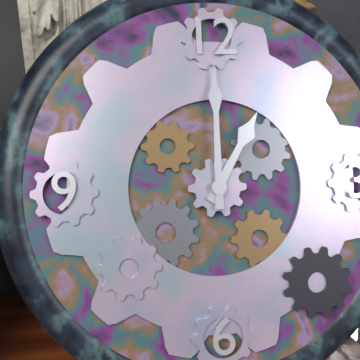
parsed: **1:00**
